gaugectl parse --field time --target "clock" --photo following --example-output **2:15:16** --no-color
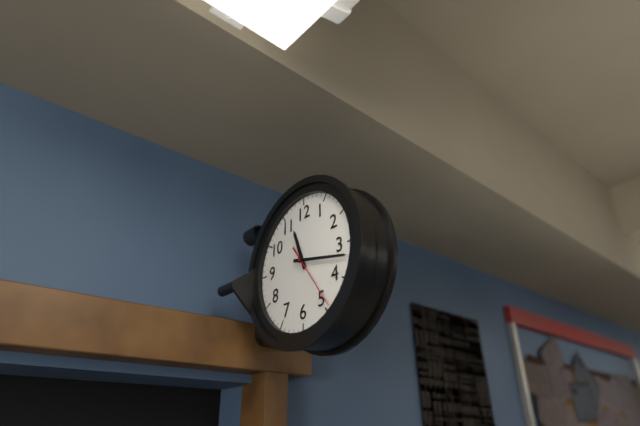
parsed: **11:17:24**
